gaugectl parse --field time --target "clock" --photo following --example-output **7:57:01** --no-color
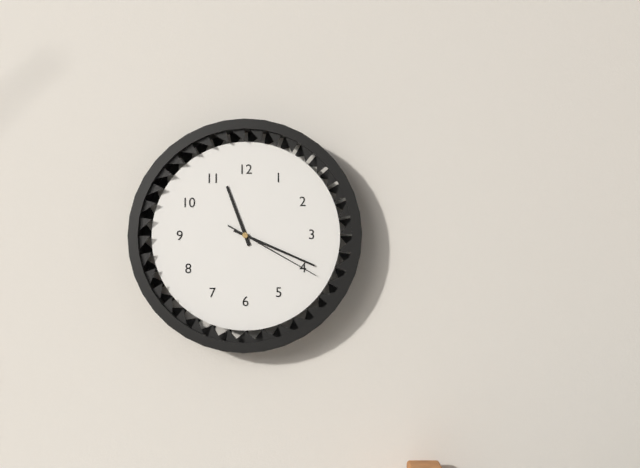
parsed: **11:19:20**
